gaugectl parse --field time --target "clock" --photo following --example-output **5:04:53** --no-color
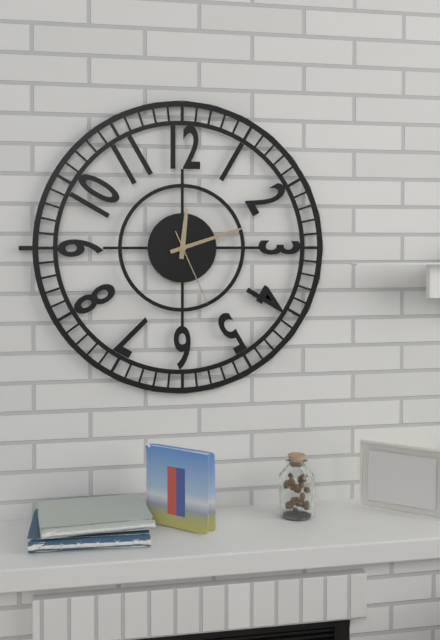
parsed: **12:12:26**
